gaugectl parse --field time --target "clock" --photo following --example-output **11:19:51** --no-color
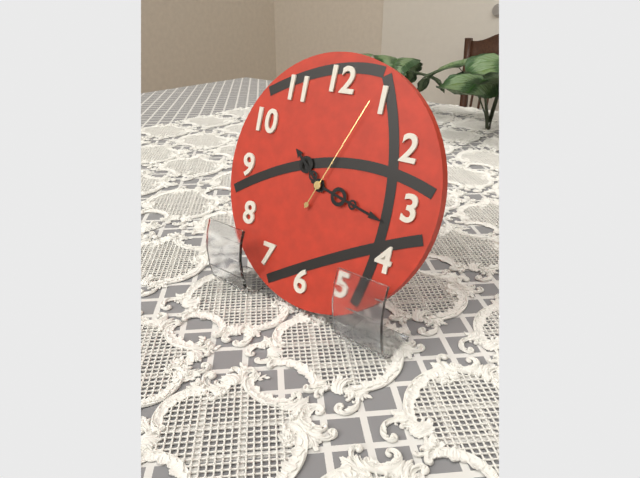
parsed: **10:17:04**
